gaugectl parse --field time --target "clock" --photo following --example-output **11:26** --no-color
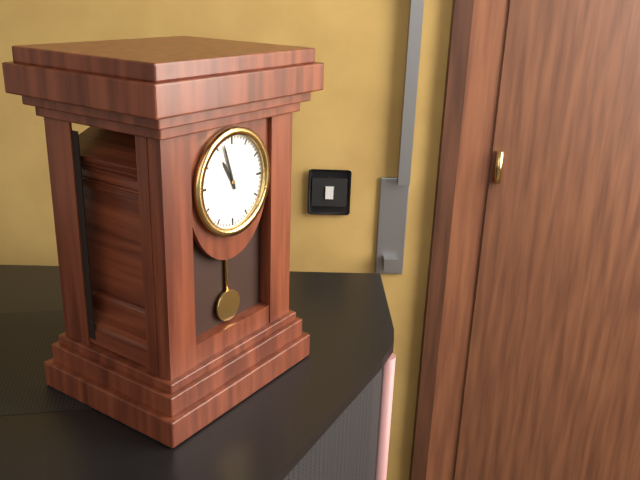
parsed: **10:57**
